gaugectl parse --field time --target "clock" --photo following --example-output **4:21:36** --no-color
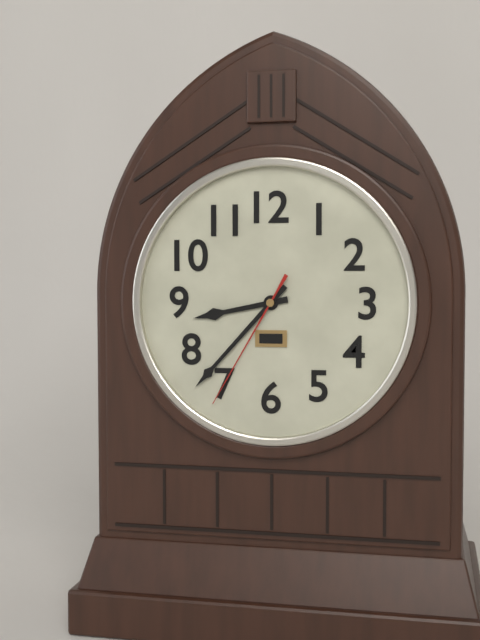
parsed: **8:37:35**
